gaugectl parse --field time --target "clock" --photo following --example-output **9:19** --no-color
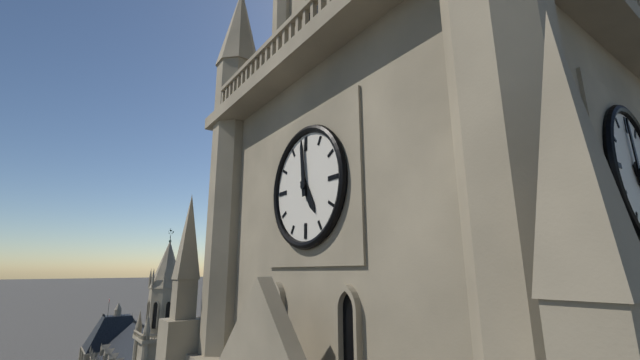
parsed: **4:59**
